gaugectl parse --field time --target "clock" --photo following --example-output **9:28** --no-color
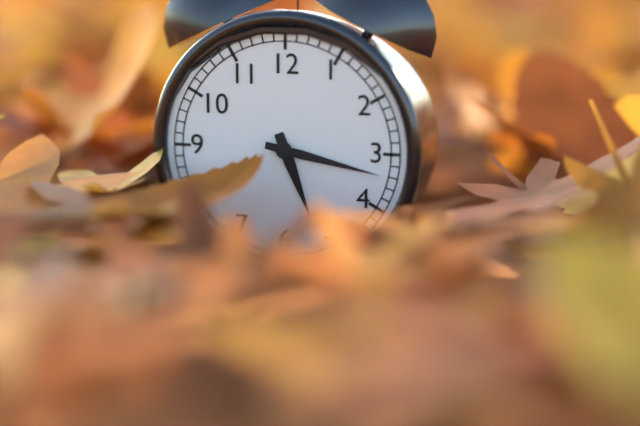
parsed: **5:17**
